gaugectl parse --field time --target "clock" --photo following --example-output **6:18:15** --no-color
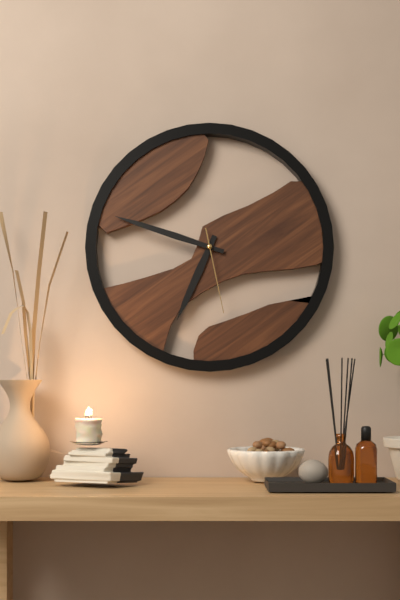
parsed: **6:48:28**
